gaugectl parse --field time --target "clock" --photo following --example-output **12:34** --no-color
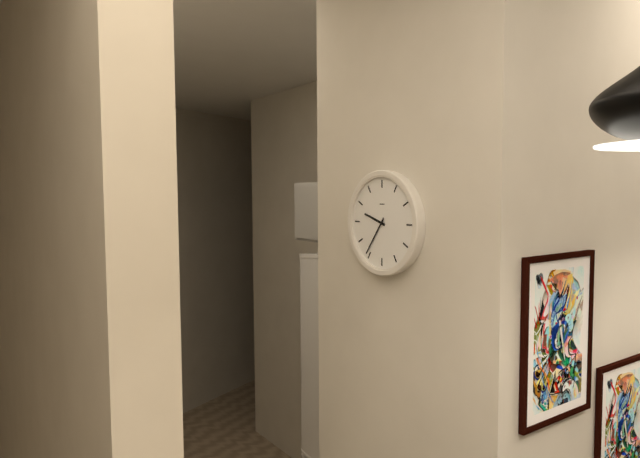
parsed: **9:36**
